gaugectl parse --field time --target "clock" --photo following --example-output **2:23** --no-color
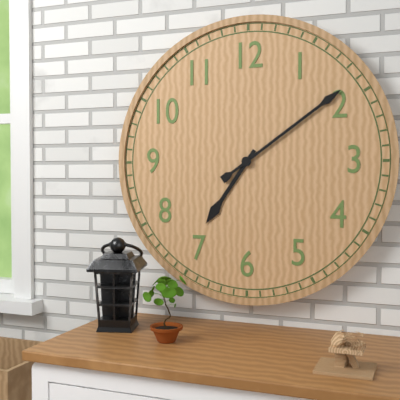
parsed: **7:09**
